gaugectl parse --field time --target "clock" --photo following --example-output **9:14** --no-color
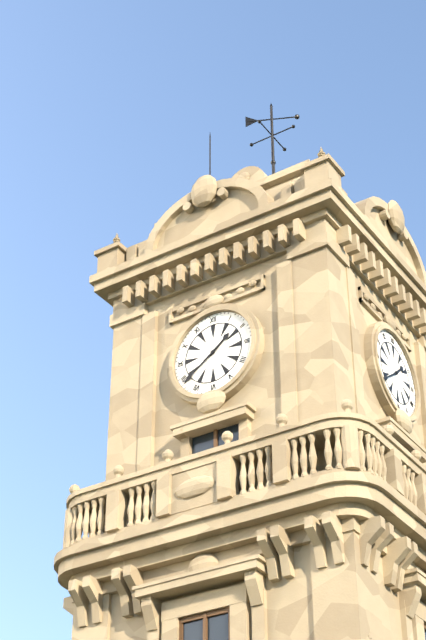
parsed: **1:39**
